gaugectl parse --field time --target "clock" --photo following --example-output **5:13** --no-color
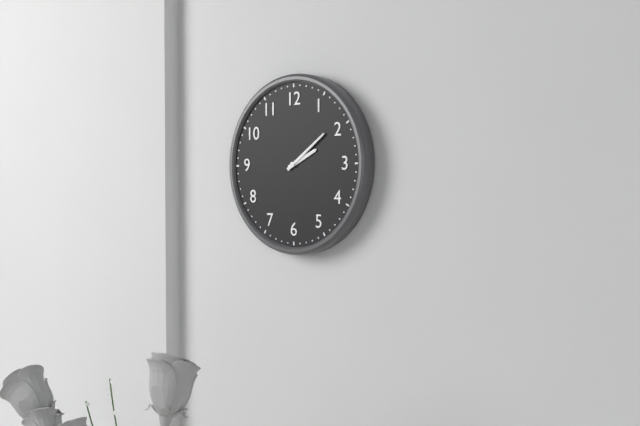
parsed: **2:09**
